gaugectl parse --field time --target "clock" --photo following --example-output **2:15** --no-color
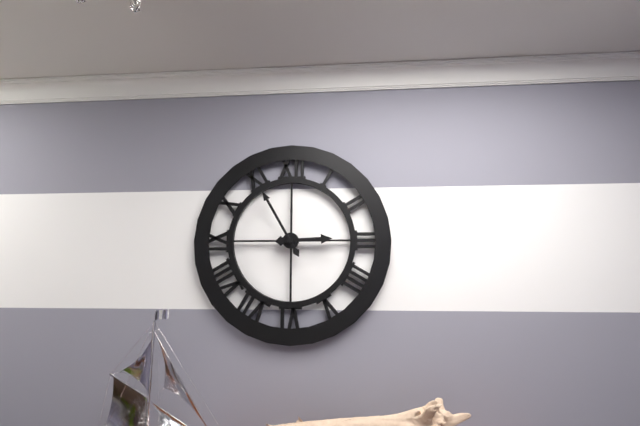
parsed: **2:55**
